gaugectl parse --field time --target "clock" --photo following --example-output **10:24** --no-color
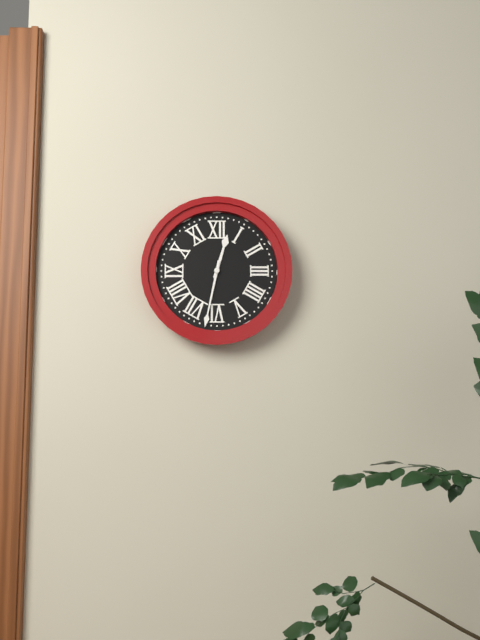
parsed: **12:32**
